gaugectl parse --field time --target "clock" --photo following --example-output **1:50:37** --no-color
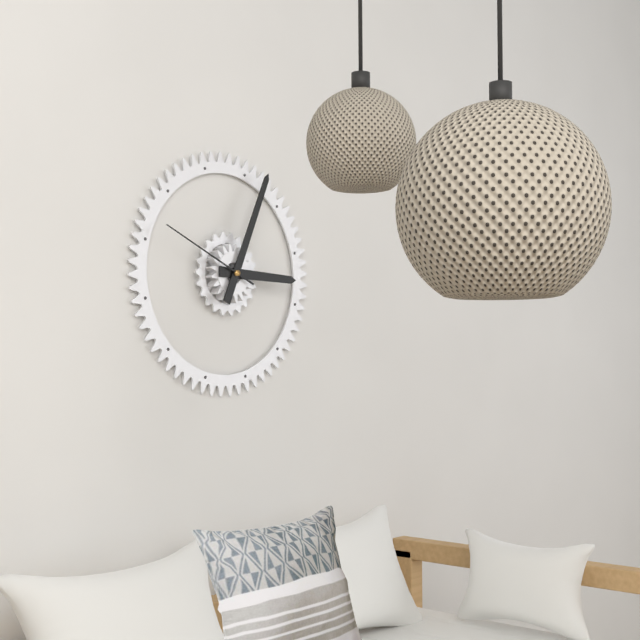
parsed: **3:04:49**
